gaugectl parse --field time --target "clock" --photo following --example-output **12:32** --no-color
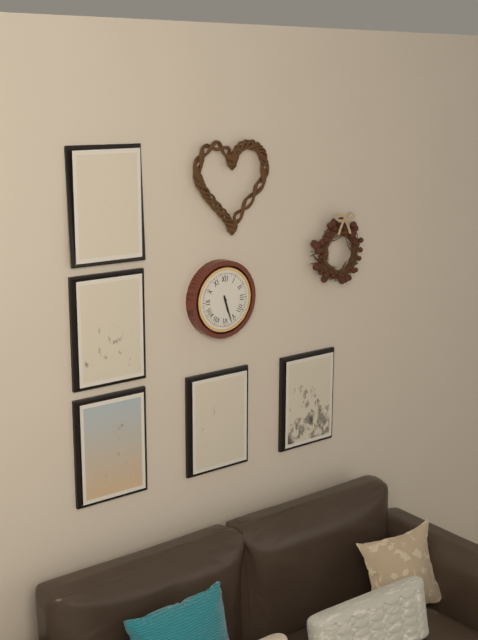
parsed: **5:27**
